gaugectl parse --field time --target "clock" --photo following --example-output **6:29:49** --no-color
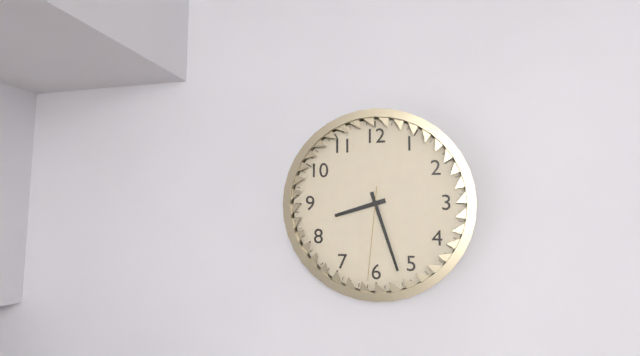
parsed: **8:27:31**
